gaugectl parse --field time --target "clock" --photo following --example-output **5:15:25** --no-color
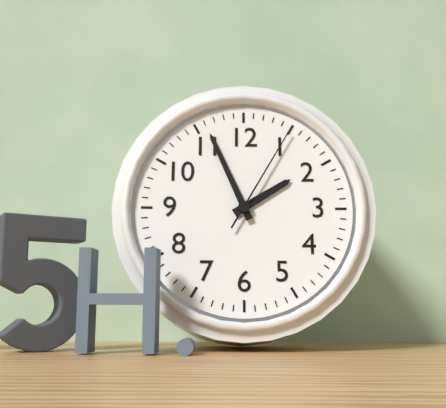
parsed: **1:56:05**
